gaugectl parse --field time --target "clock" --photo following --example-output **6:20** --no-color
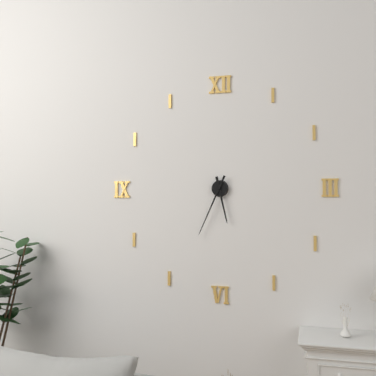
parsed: **5:34**
